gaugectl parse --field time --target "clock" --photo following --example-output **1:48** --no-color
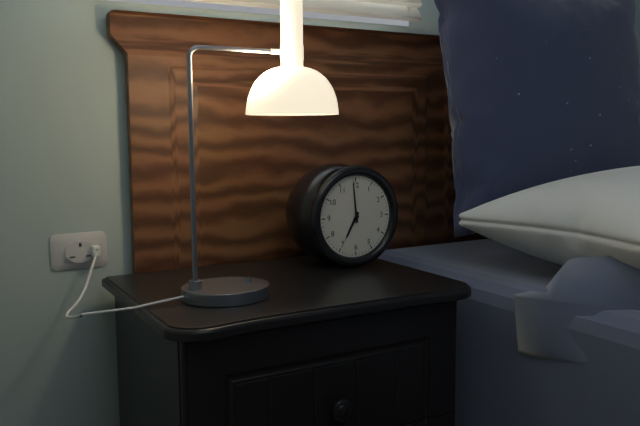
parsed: **6:59**
